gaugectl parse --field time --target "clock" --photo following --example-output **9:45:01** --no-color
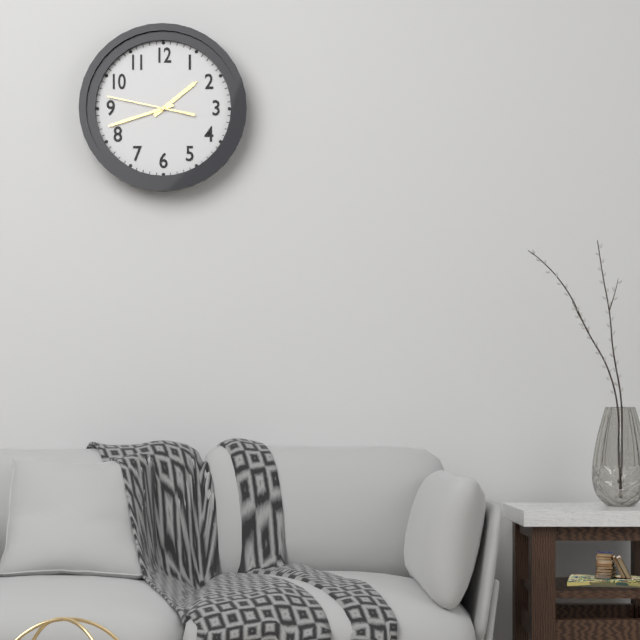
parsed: **1:42:47**
